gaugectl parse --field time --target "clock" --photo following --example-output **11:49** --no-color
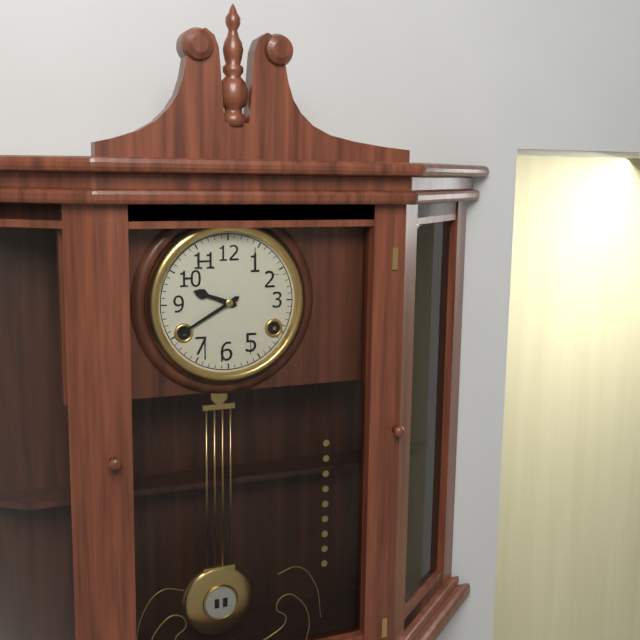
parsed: **9:40**
